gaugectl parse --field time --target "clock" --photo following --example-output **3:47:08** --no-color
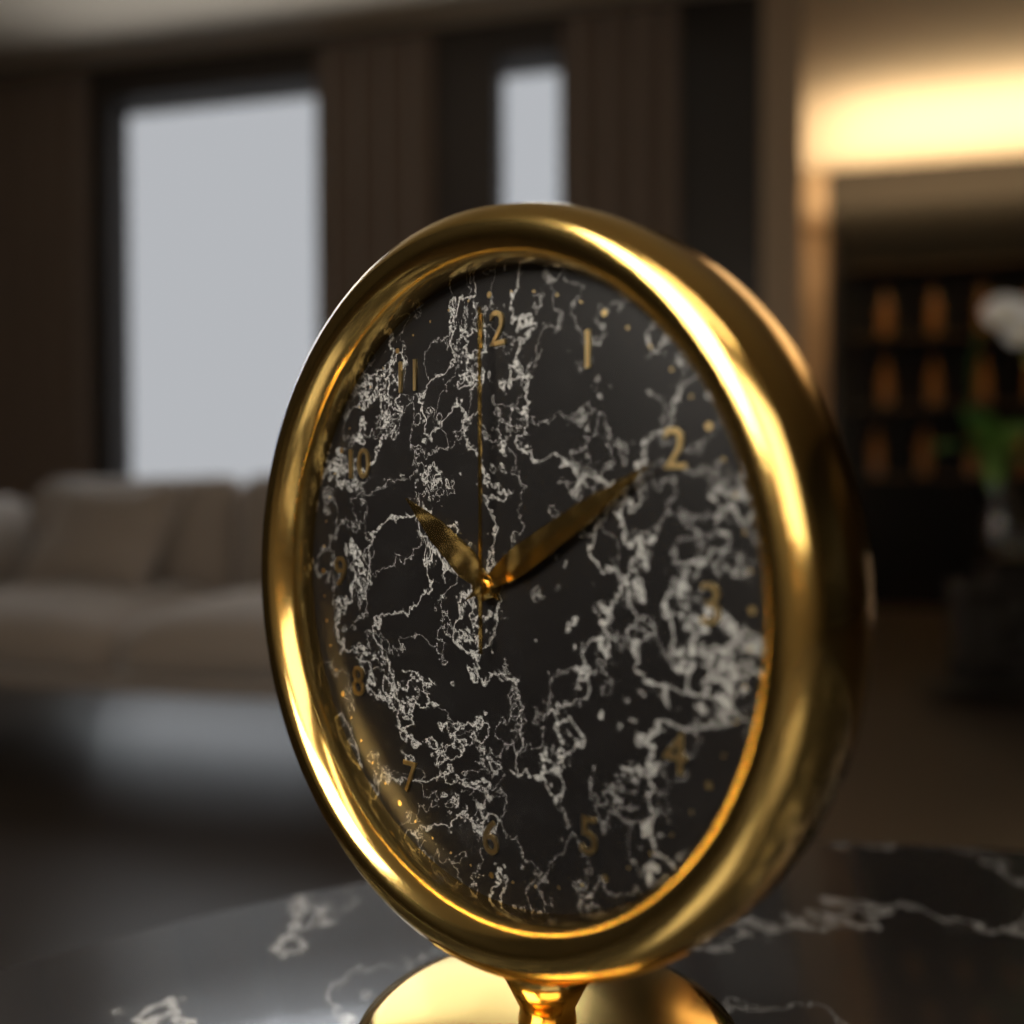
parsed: **10:10:00**
